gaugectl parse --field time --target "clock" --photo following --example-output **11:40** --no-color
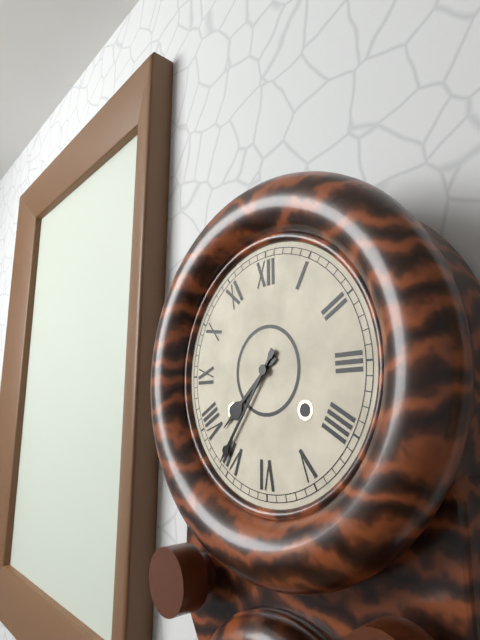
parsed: **7:36**
